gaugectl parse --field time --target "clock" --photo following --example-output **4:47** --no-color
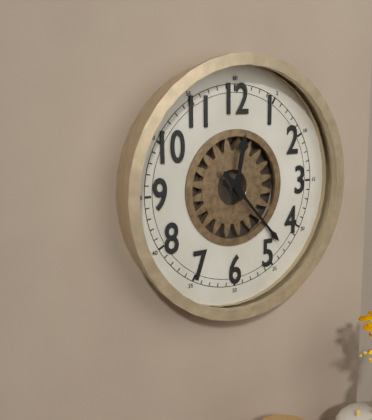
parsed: **12:23**
